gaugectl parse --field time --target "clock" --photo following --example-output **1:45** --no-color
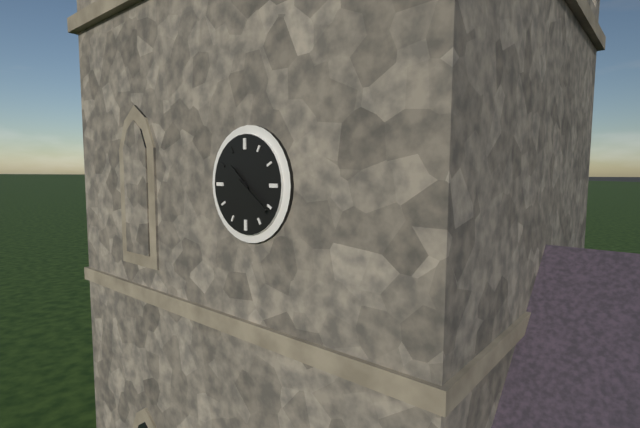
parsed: **10:21**
